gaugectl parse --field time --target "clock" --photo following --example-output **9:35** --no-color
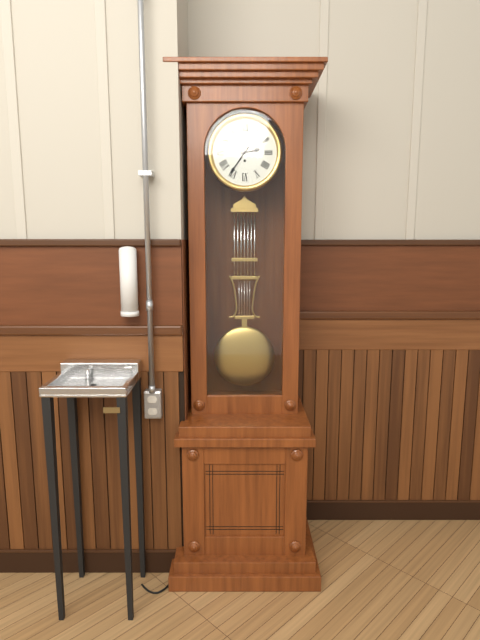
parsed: **2:36**
